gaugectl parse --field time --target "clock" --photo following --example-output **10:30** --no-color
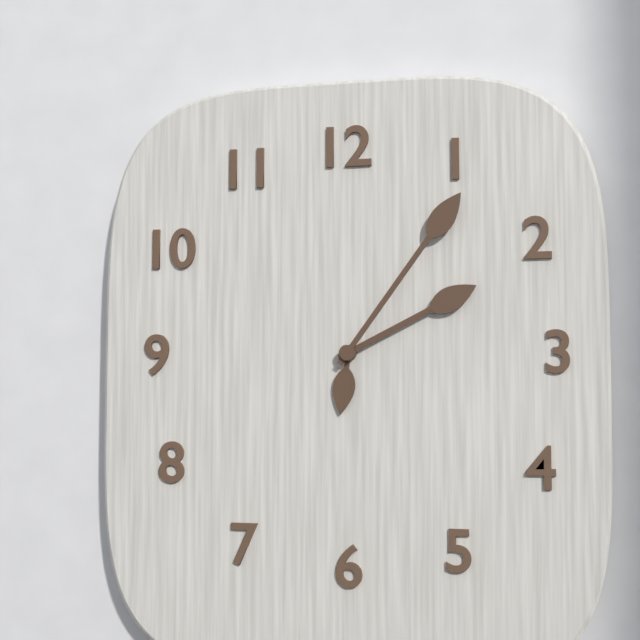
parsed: **2:06**
